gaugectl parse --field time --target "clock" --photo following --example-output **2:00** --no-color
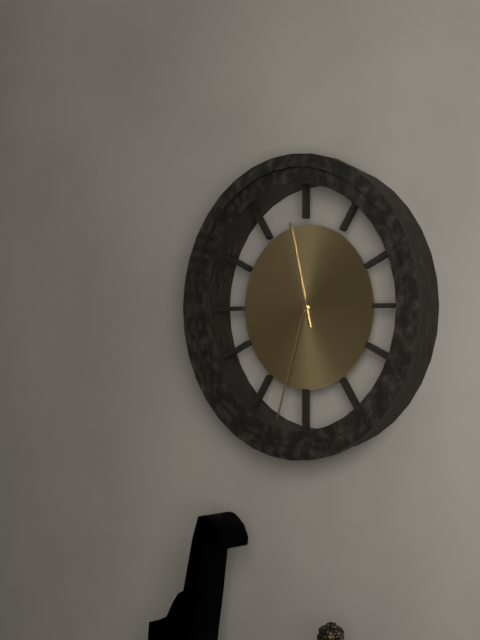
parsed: **11:33**
